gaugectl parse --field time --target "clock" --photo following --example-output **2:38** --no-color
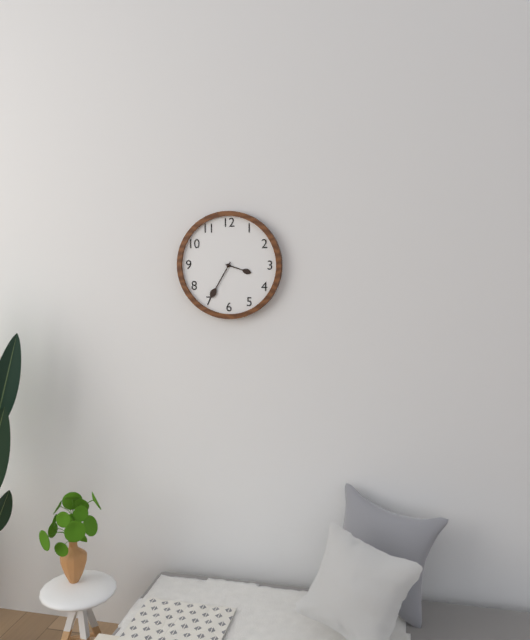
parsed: **3:35**
